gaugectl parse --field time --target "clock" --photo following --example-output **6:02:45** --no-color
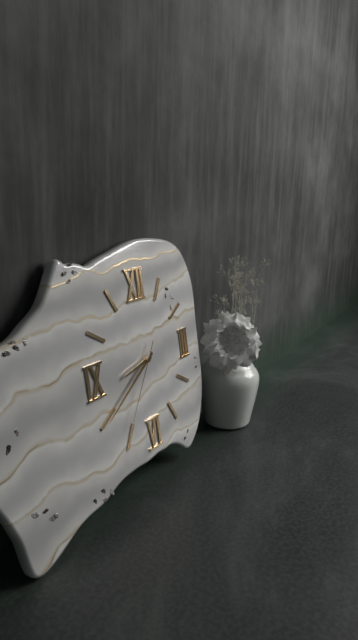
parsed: **8:40:36**
